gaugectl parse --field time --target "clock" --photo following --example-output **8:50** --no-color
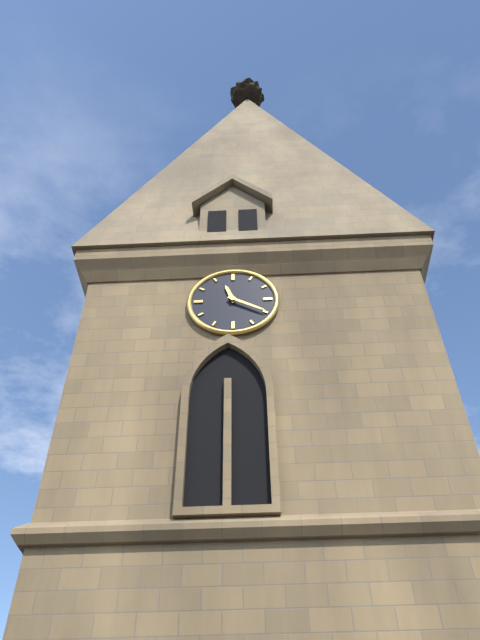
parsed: **11:20**
